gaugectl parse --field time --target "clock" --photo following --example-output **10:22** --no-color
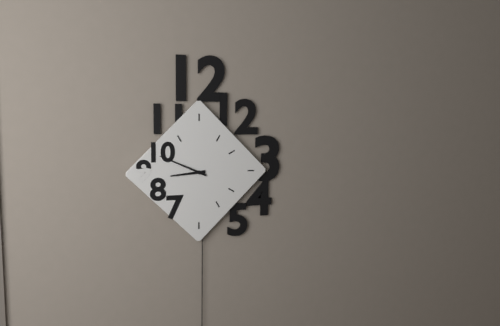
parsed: **8:49**
